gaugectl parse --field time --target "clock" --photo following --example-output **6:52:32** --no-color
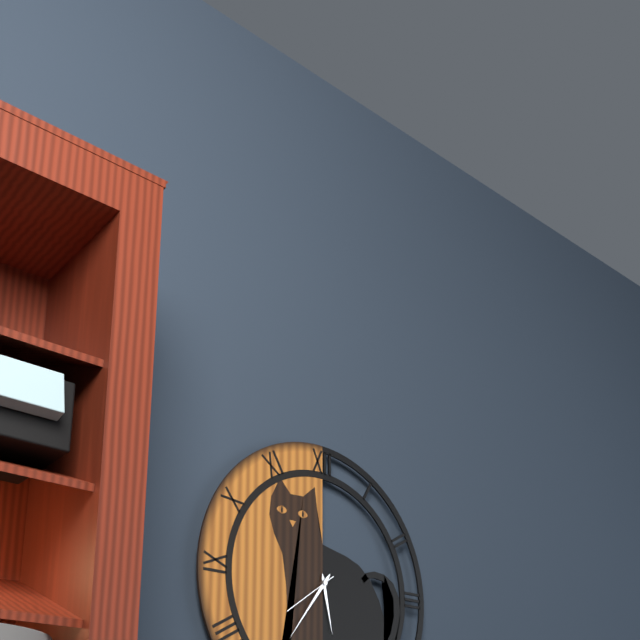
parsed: **5:36:39**
